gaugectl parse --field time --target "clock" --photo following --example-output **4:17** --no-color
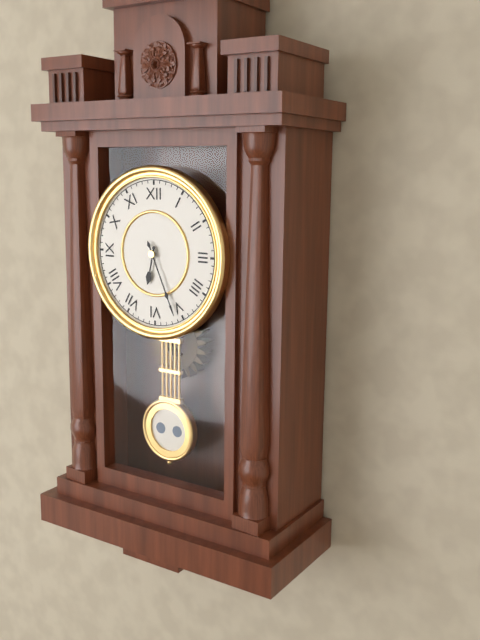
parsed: **6:26**
